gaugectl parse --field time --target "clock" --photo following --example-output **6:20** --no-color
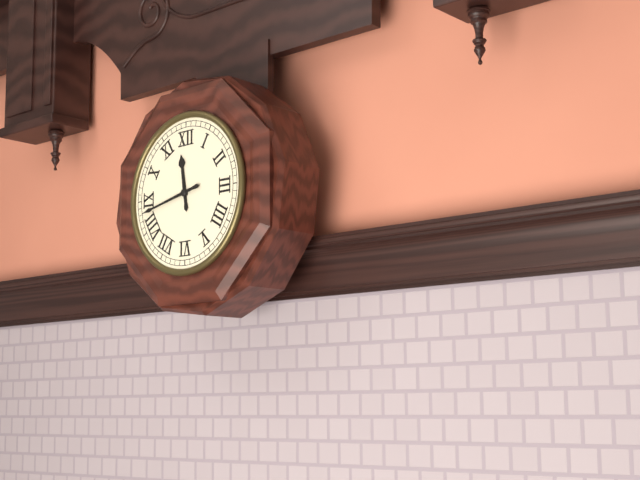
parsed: **11:43**
